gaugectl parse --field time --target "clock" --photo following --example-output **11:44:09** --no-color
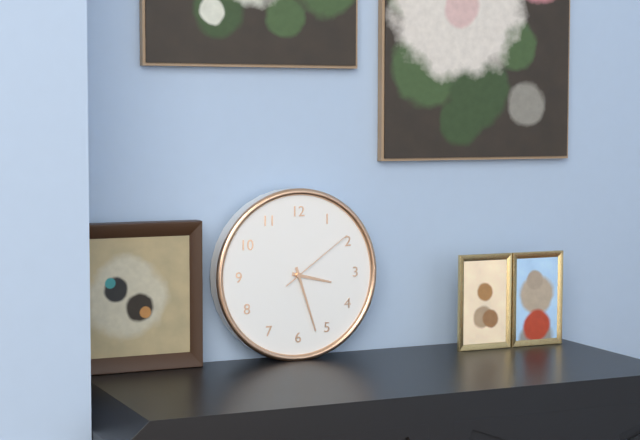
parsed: **3:27:09**
